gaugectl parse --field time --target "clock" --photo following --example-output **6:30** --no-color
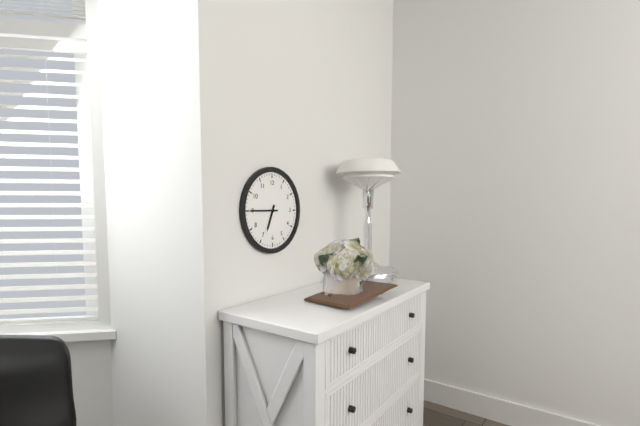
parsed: **6:45**
